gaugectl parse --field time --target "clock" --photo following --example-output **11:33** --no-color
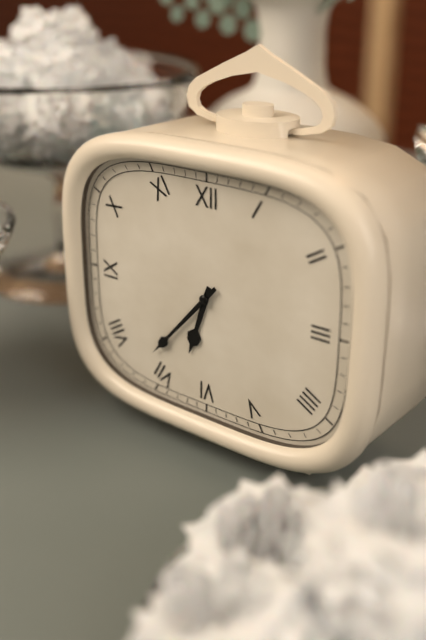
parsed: **6:37**
